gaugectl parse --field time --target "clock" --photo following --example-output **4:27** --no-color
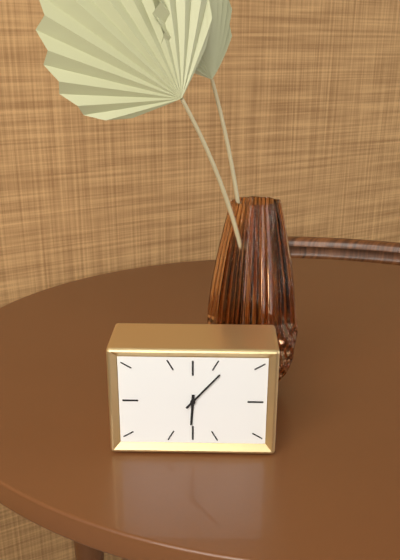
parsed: **6:07**
